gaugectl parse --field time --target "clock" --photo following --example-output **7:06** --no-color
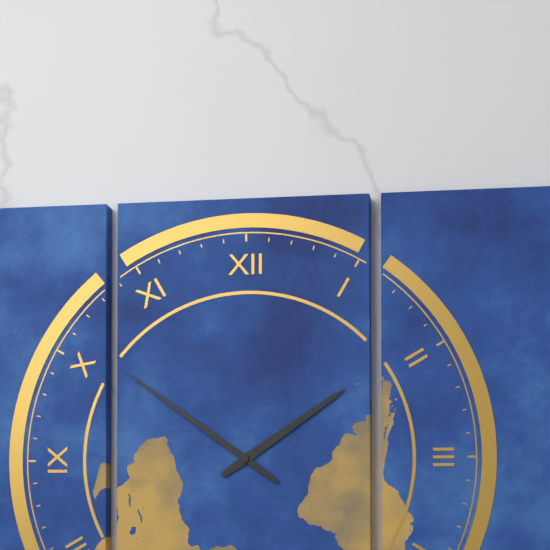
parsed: **1:51**
